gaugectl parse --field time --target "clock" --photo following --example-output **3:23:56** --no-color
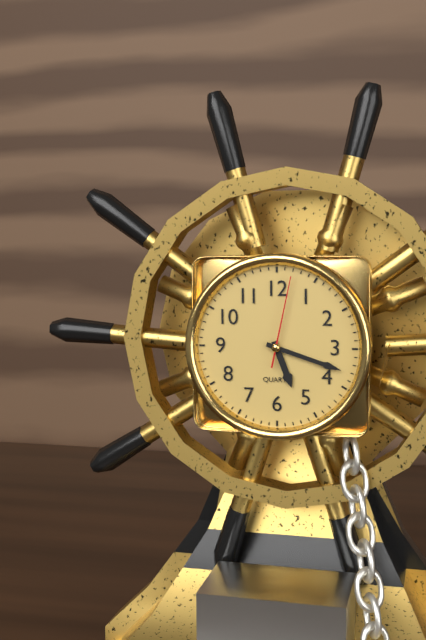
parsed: **5:18:02**
